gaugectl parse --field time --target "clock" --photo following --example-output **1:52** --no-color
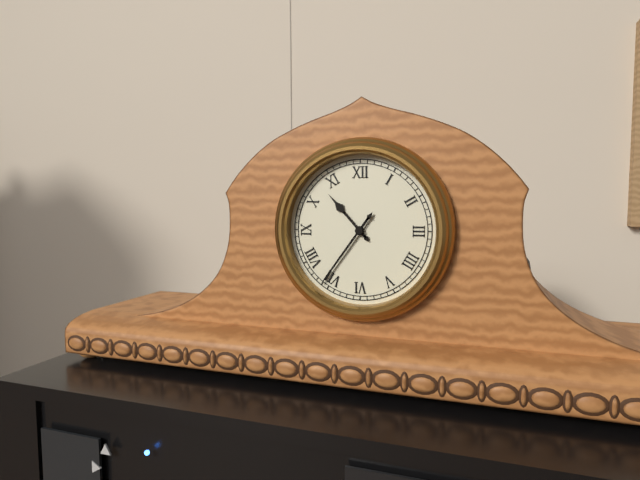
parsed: **10:36**
